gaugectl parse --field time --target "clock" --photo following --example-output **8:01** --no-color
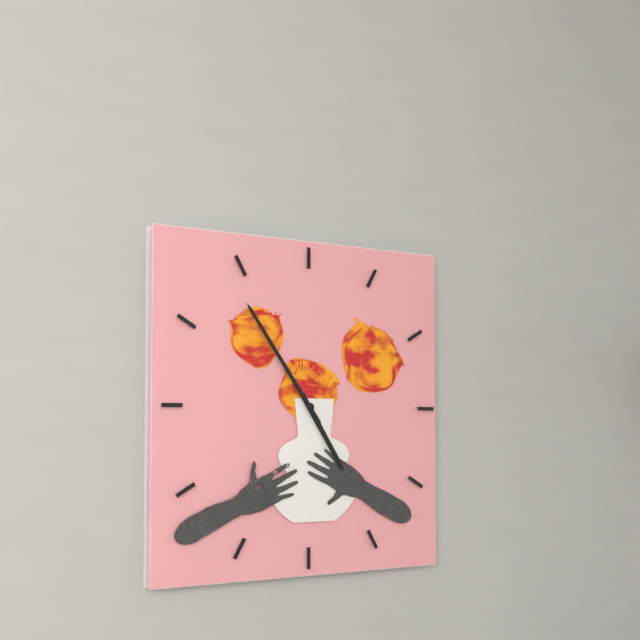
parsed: **4:54**
